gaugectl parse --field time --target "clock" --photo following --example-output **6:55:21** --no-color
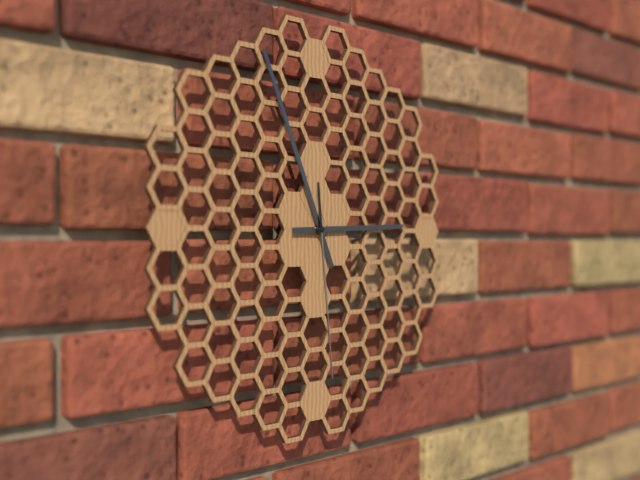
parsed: **2:56:29**
